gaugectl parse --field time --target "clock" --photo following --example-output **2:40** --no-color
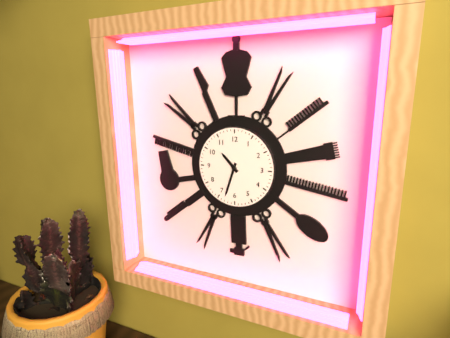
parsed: **10:33**
